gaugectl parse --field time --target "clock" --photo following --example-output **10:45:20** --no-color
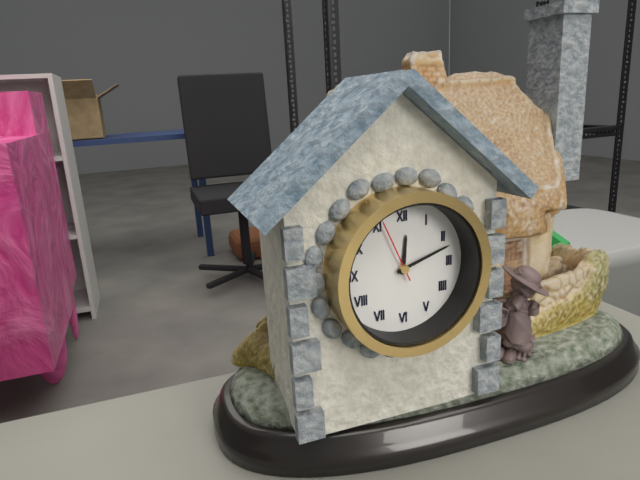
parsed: **12:12:56**
